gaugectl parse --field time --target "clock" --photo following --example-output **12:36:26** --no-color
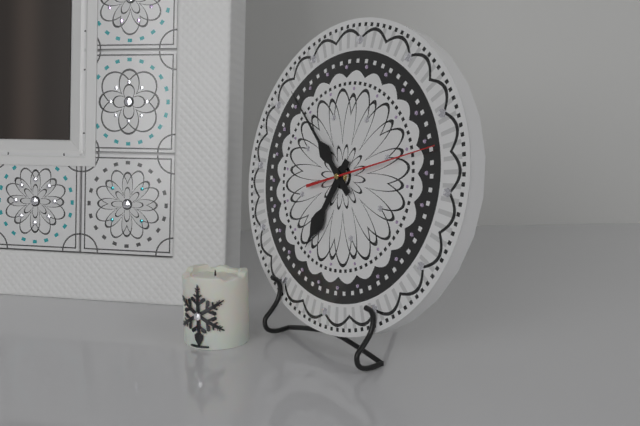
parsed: **6:52:12**
